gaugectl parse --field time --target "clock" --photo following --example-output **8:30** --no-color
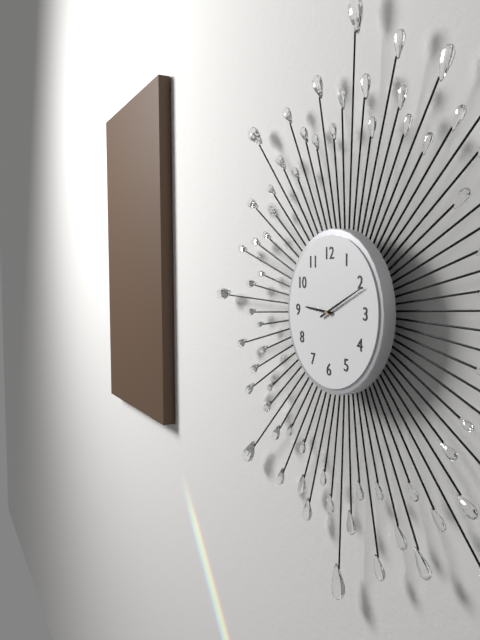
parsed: **9:11**
